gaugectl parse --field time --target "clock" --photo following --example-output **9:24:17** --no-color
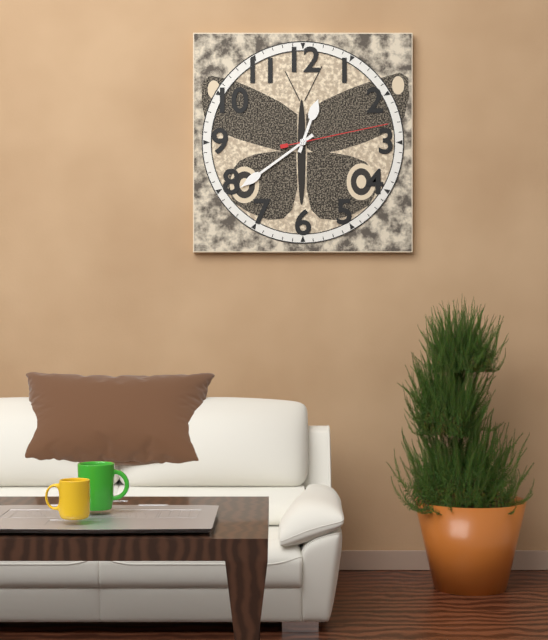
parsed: **12:39:13**
